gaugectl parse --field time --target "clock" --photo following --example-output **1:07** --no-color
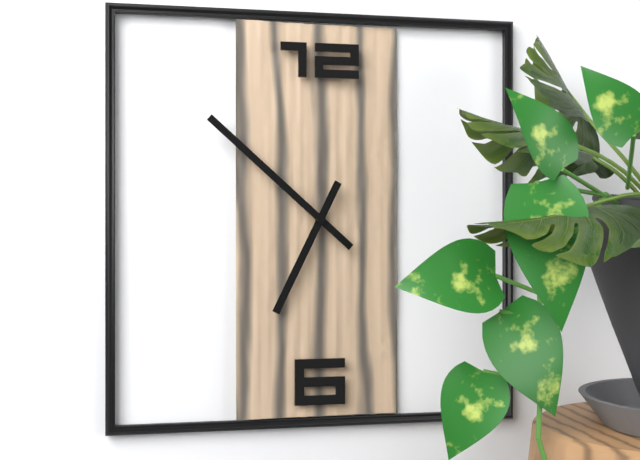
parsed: **6:52**
